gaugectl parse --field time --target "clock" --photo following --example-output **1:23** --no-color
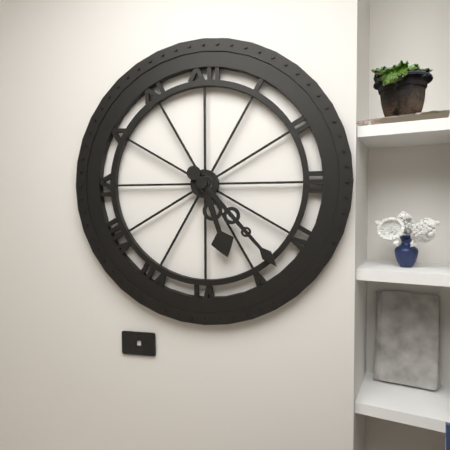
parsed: **5:23**
